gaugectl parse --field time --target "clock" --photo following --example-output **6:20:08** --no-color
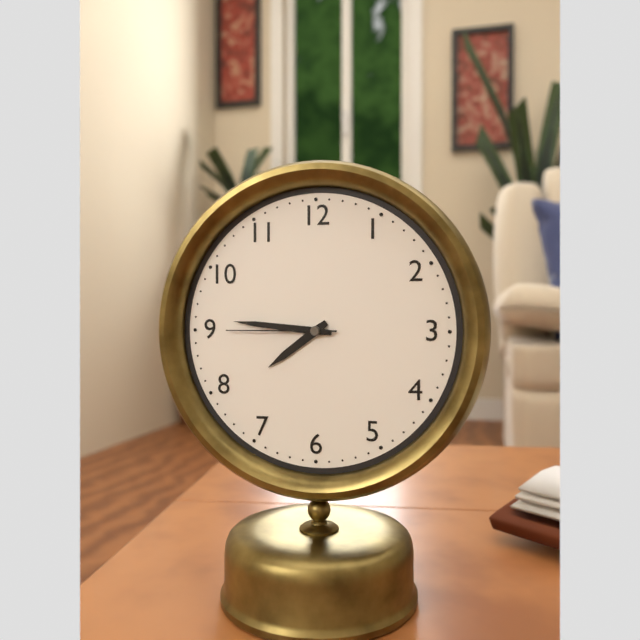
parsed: **7:46:45**
